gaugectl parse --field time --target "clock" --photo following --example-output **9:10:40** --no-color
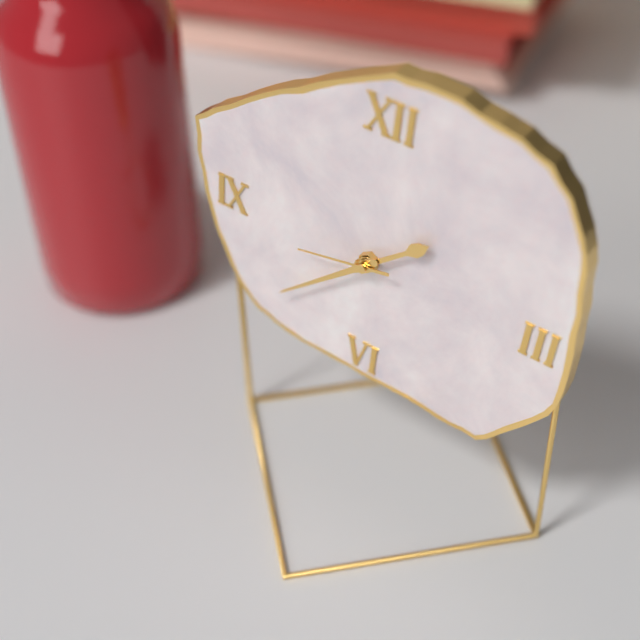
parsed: **1:38:43**
